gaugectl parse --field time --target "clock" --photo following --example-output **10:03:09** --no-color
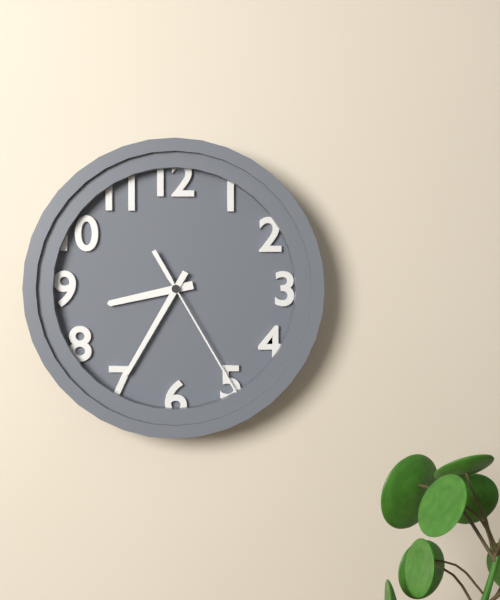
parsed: **8:35:25**
